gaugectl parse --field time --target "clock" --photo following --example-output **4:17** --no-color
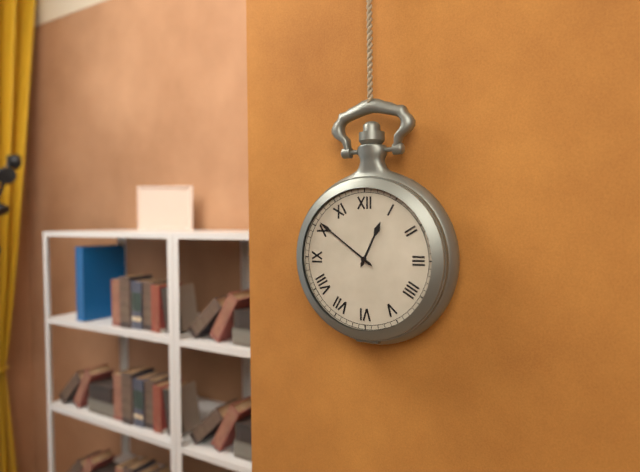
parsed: **12:51**
